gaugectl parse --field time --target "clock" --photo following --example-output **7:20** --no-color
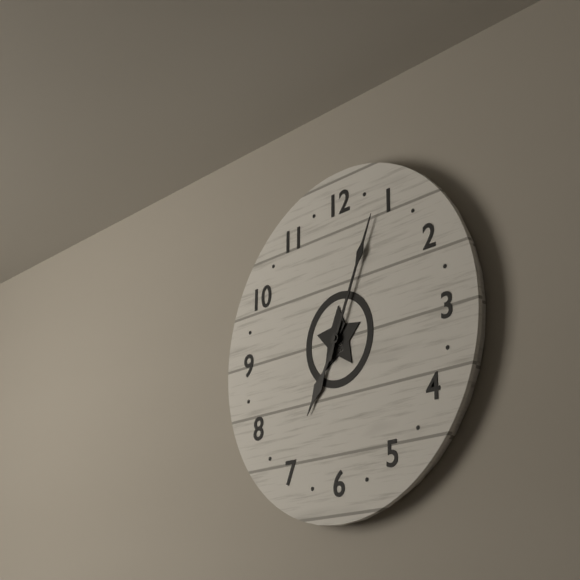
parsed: **7:04**
